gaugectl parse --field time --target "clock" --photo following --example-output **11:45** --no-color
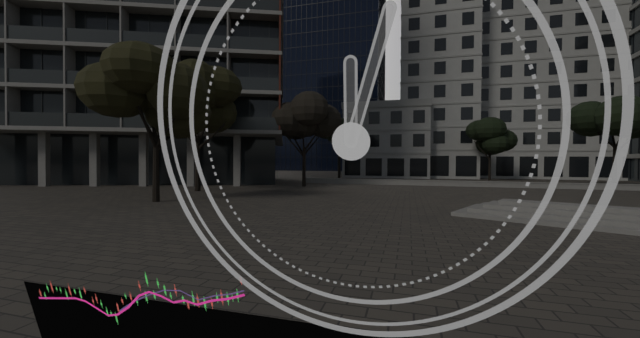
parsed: **12:03**
